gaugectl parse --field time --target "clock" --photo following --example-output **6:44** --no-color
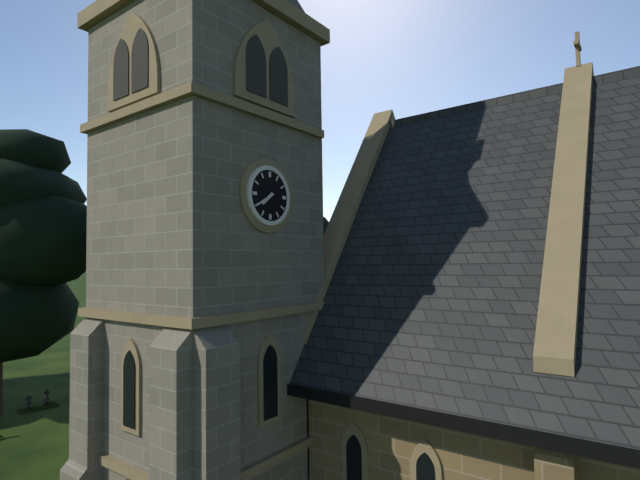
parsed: **7:40**
